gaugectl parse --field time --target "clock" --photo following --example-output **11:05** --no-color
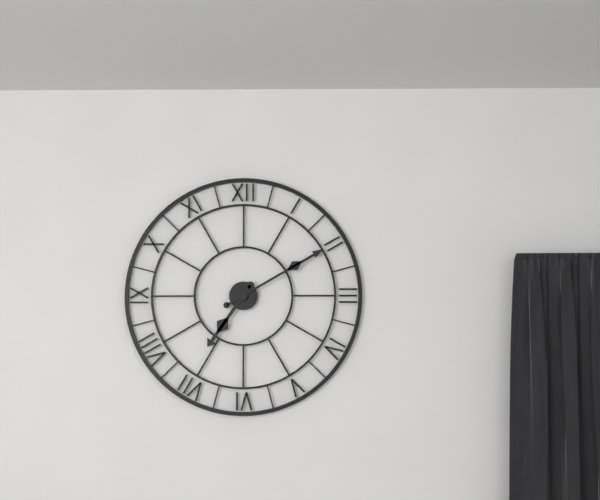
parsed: **7:10**
